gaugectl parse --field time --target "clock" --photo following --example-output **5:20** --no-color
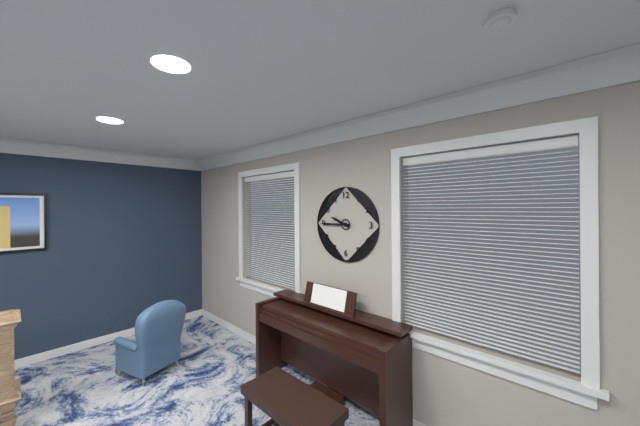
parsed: **9:45**
